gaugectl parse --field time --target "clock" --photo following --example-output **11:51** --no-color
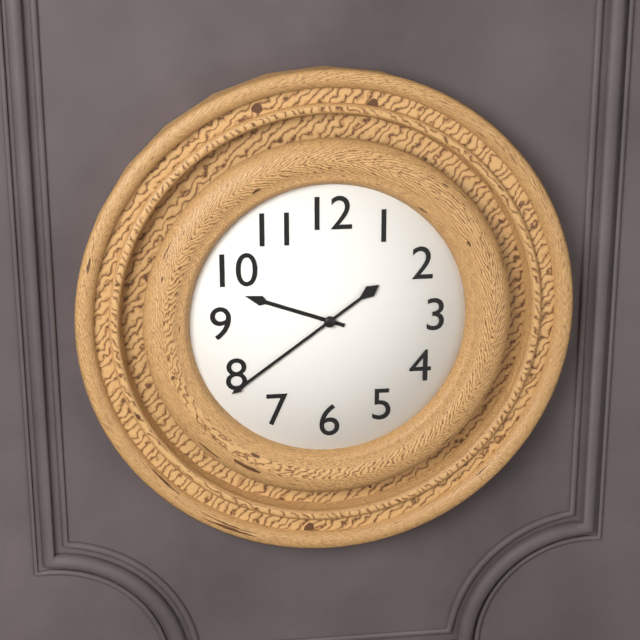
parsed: **9:39**
